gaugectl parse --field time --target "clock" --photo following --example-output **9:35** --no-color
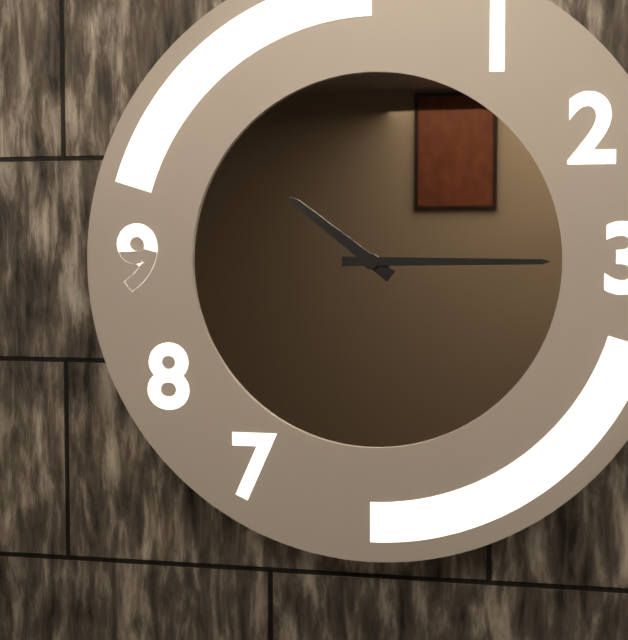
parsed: **10:15**
